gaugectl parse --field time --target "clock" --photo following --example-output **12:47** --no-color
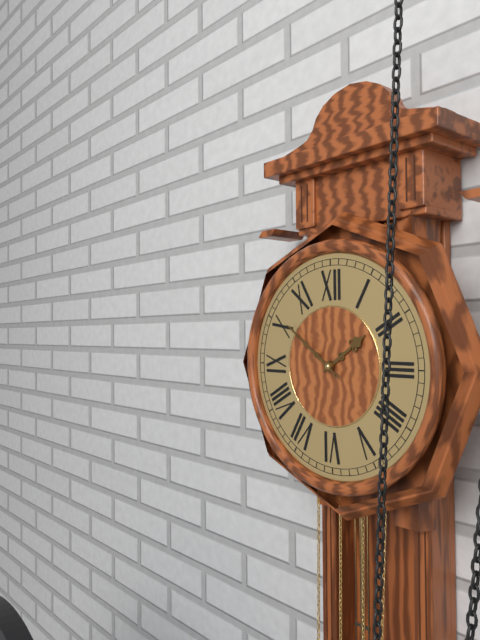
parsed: **1:51**
